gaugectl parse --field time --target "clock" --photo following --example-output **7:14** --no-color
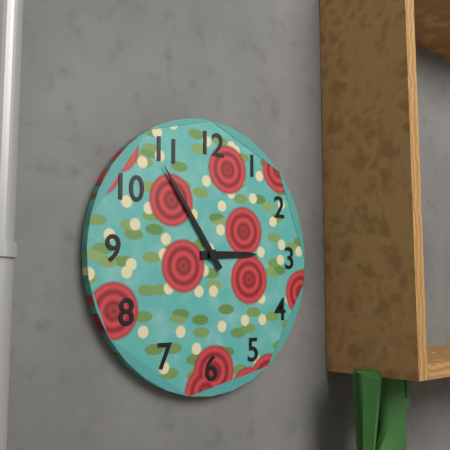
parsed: **2:54**
